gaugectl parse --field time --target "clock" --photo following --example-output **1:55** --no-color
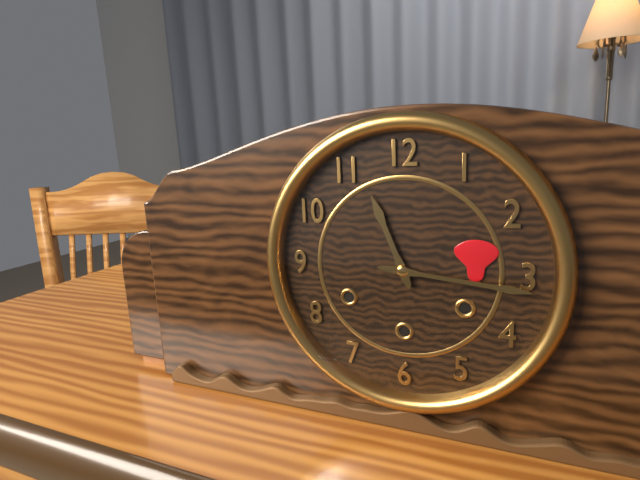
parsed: **11:16**
